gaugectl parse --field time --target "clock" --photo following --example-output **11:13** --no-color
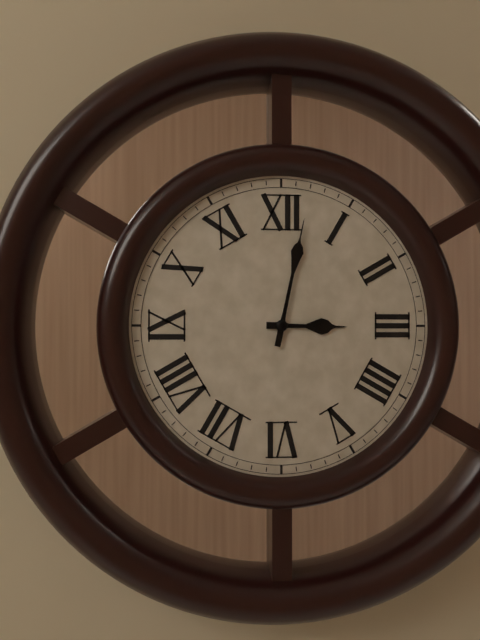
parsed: **3:02**
